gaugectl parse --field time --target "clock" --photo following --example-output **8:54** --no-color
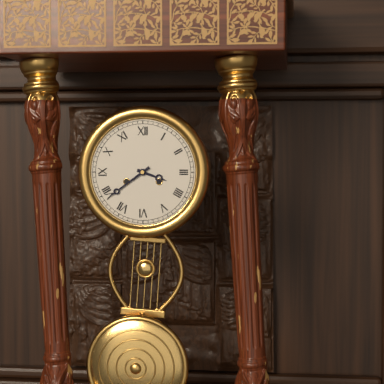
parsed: **3:39**
